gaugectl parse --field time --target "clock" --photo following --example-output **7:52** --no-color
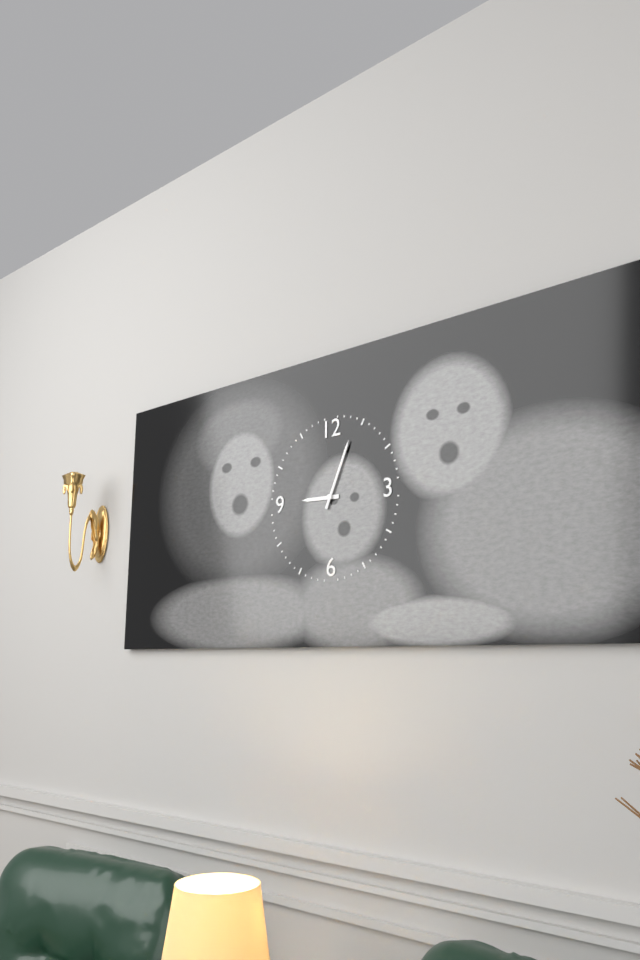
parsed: **9:04**
